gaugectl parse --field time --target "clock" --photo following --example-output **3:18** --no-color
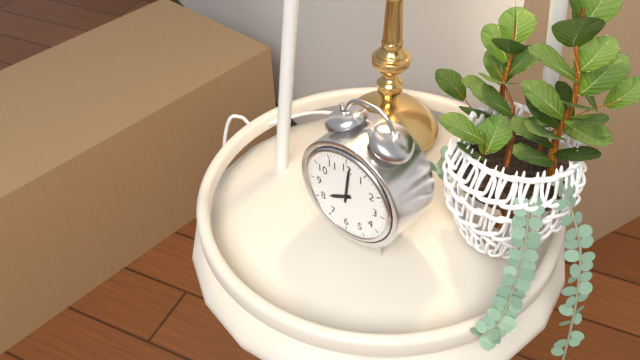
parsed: **8:01**
